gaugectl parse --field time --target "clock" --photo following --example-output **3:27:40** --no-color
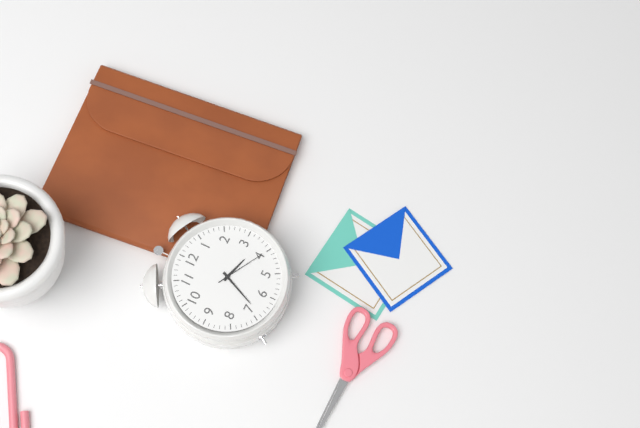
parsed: **3:34:20**
